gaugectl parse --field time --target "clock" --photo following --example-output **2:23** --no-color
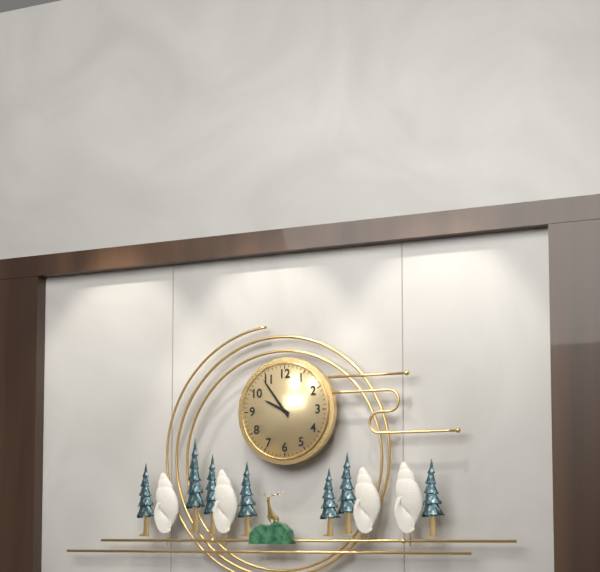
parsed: **9:54**
